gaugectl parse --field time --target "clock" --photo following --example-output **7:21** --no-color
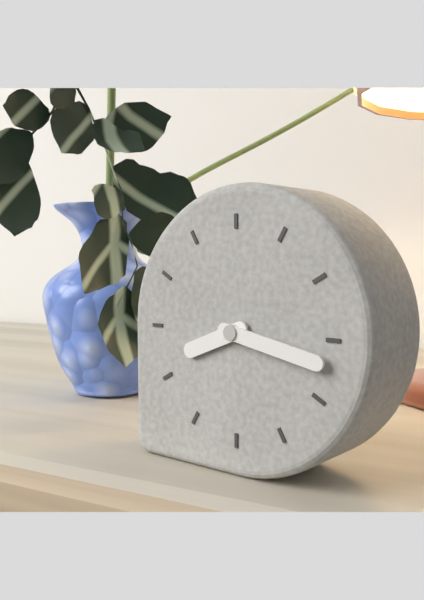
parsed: **8:17**
